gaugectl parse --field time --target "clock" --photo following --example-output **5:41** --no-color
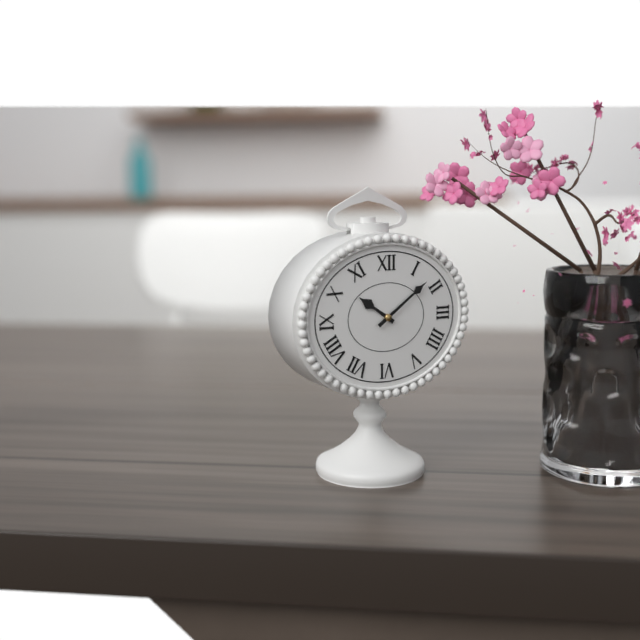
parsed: **10:09**
